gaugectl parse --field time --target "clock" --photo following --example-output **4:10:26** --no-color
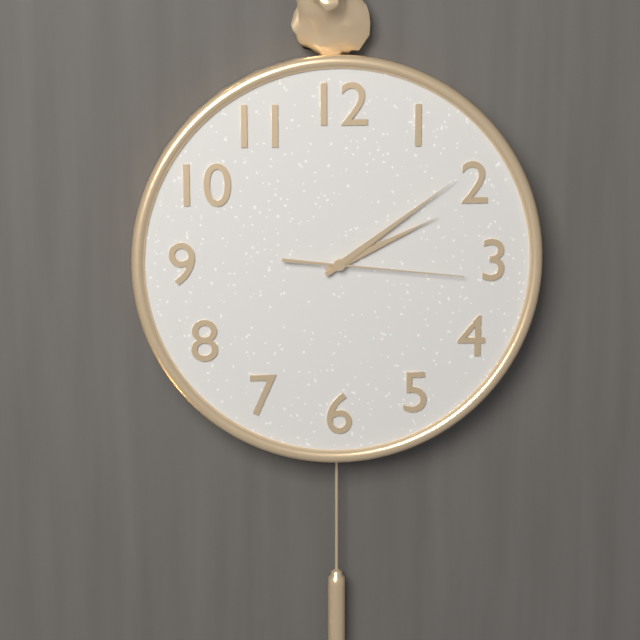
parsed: **2:09:16**
